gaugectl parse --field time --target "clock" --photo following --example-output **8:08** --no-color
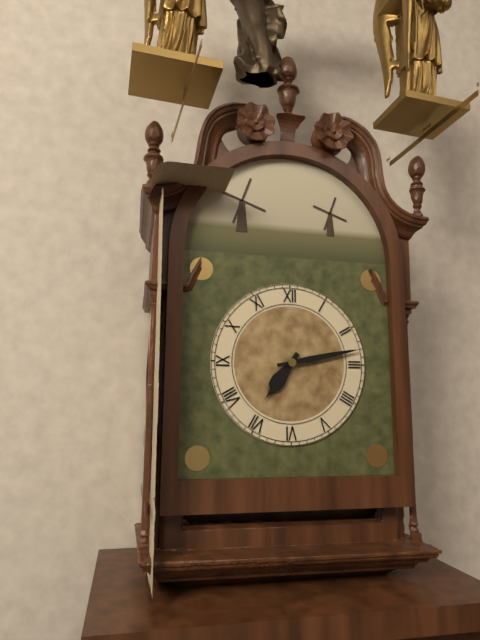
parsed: **7:13**
